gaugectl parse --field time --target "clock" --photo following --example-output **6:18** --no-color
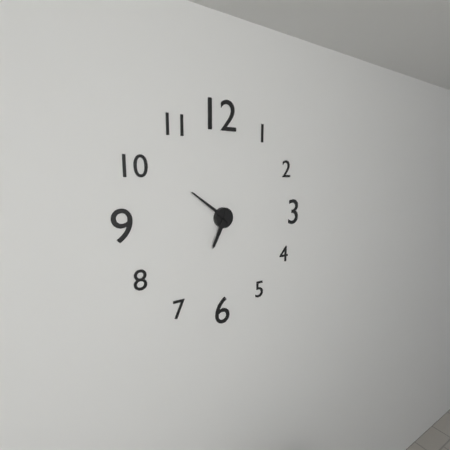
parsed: **6:51**
